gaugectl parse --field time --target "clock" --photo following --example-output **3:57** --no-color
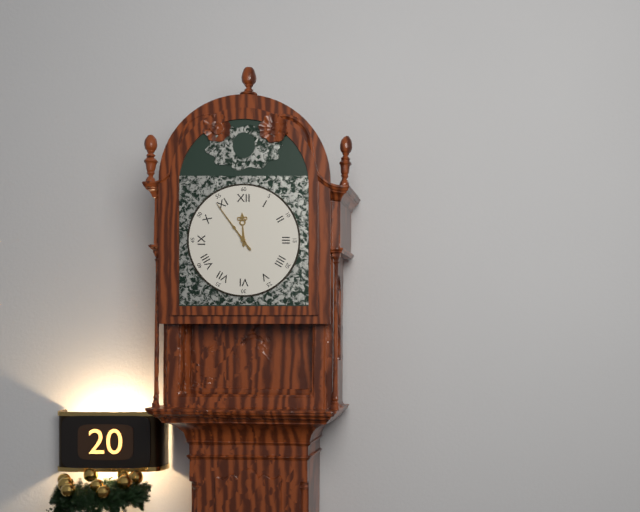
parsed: **11:54**
